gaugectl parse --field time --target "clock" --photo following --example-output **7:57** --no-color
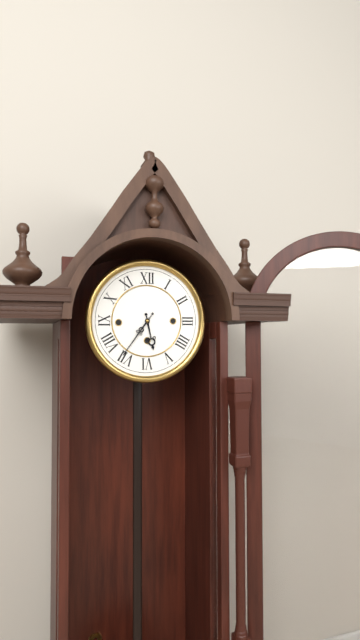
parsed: **5:36**
